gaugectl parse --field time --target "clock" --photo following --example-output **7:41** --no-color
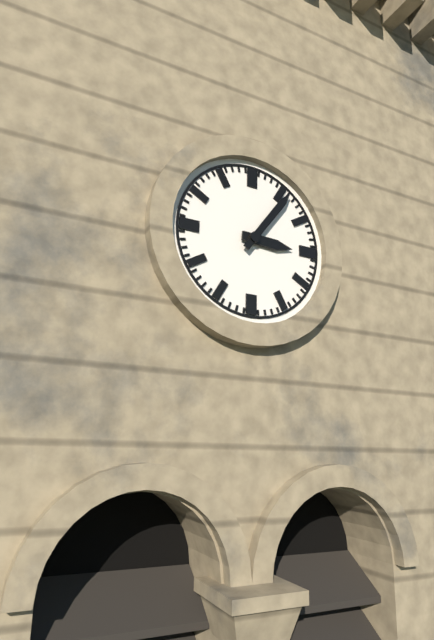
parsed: **3:06**
